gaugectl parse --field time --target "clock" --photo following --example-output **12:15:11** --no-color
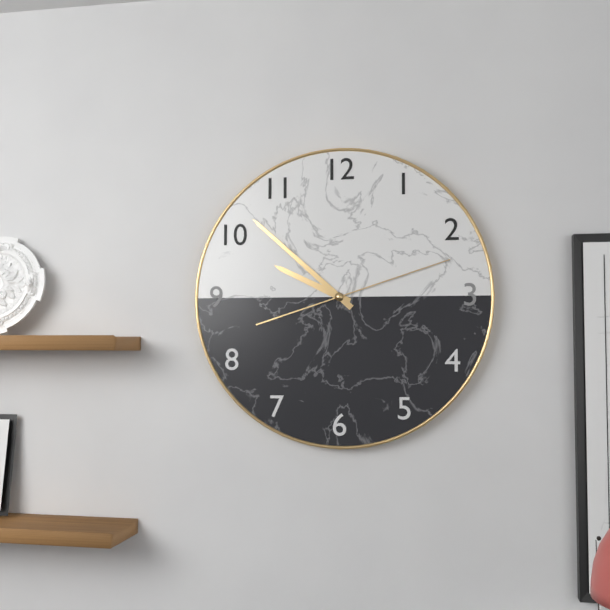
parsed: **9:52:12**
